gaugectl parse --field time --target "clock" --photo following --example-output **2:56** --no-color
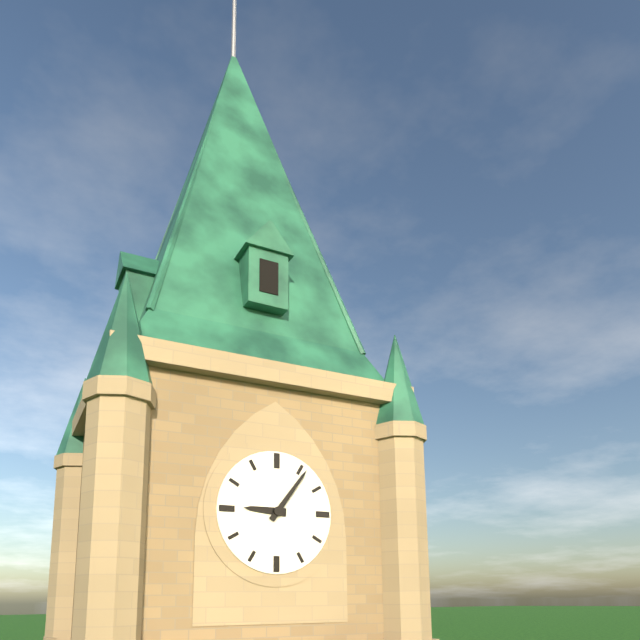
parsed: **9:06**
